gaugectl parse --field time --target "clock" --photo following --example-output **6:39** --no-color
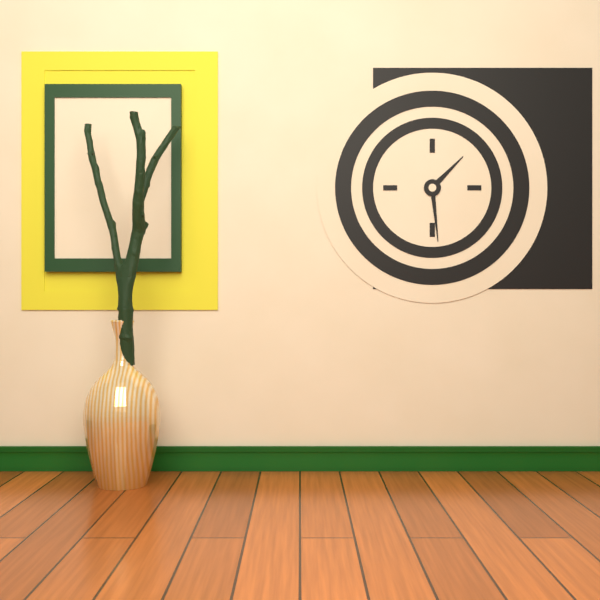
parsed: **1:29**
